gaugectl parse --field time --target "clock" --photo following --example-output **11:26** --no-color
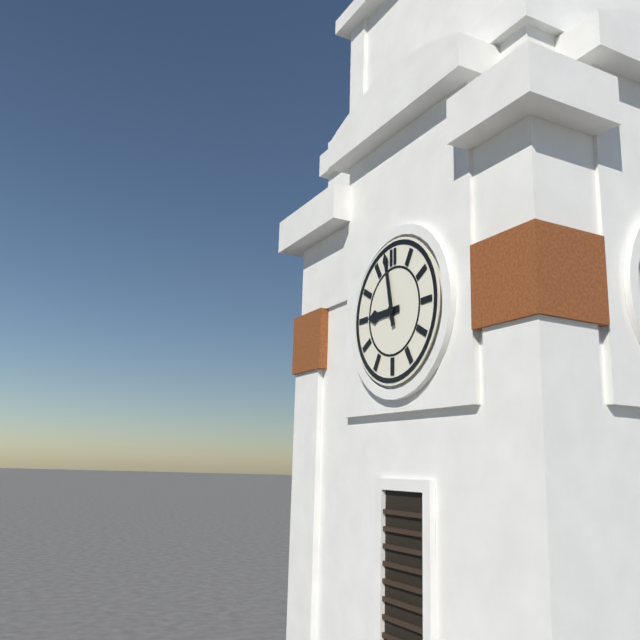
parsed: **8:58**
